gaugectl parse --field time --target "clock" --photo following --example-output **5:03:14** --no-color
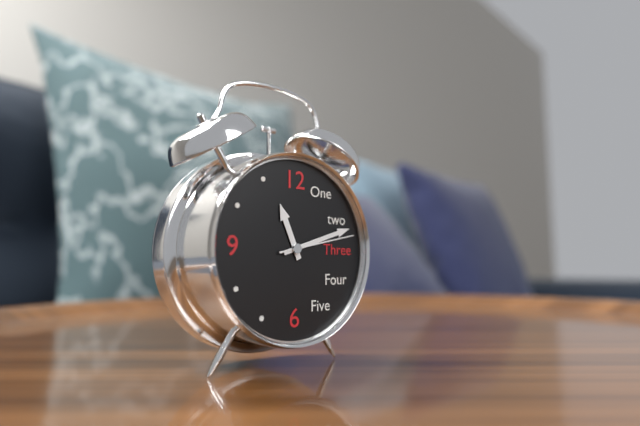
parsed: **11:12:13**
